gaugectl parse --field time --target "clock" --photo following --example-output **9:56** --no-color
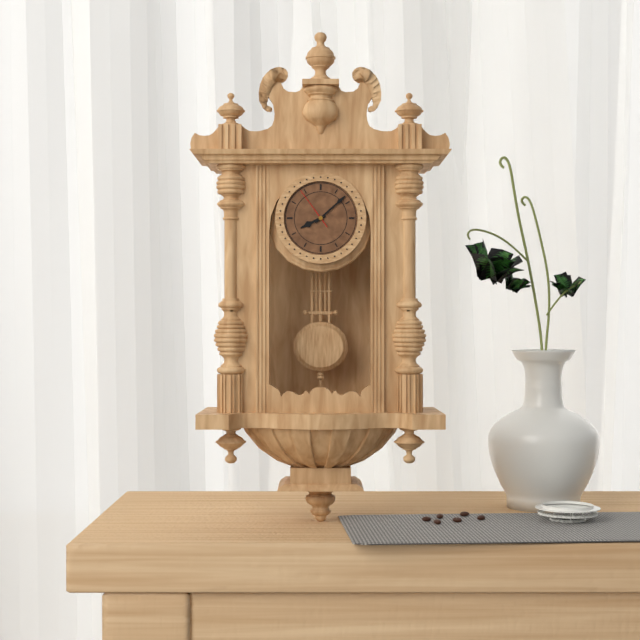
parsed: **8:08**
